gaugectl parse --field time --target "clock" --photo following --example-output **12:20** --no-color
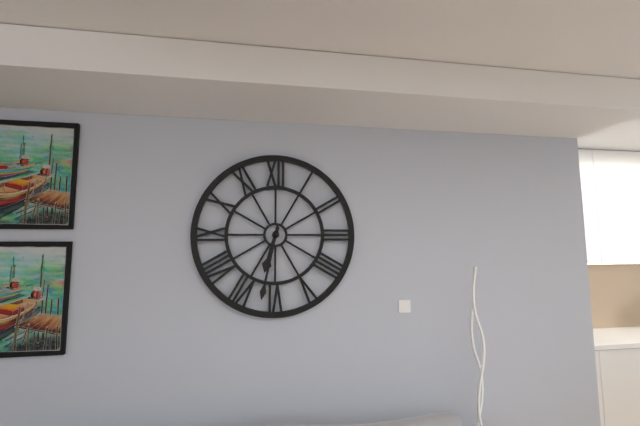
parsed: **6:32**
